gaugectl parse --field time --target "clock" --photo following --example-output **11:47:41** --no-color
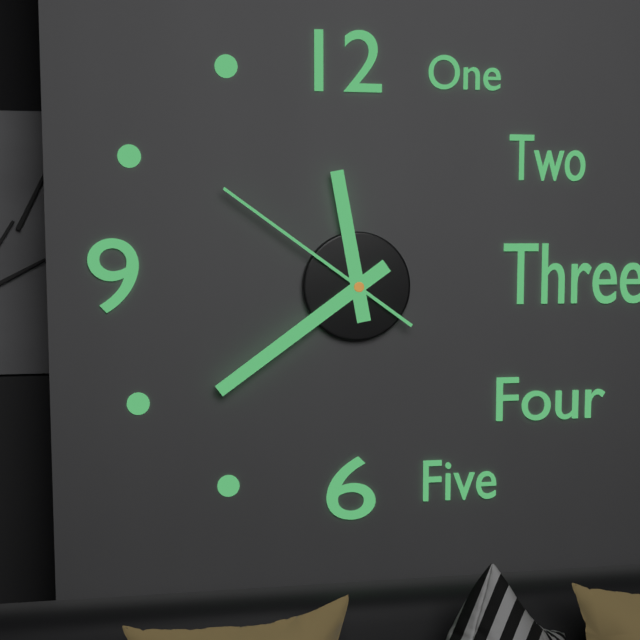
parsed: **11:39:51**
